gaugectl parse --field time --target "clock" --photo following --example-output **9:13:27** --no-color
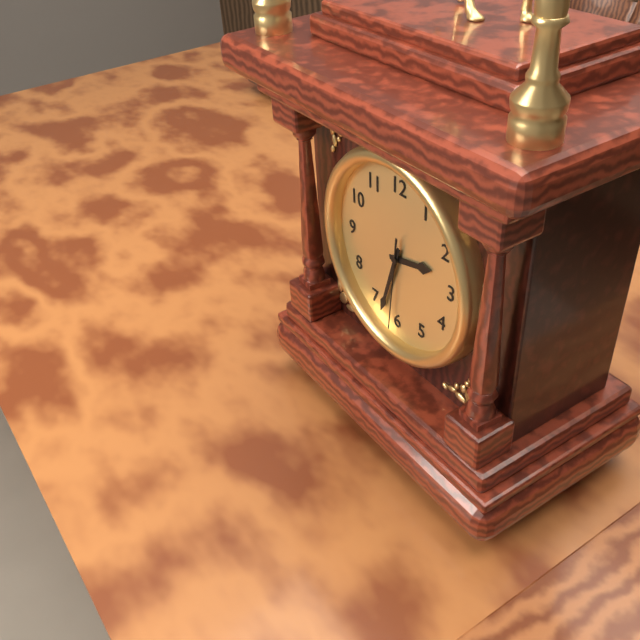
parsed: **2:33:31**
